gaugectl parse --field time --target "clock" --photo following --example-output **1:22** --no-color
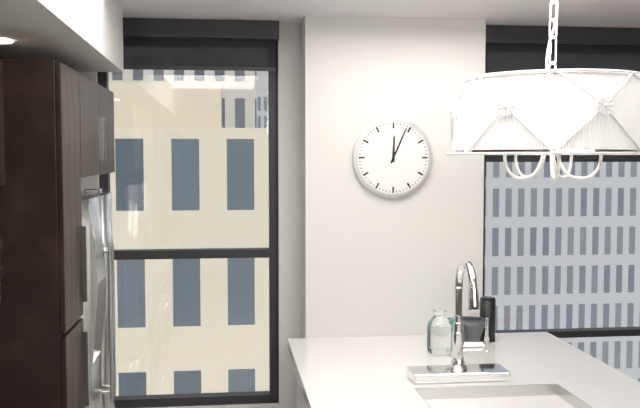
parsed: **12:04**
